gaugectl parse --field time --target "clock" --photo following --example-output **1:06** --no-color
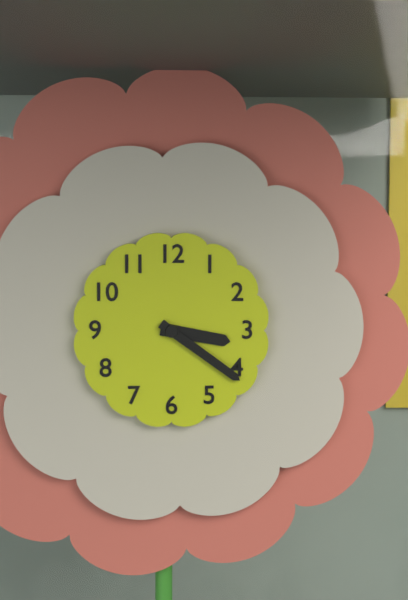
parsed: **3:21**
